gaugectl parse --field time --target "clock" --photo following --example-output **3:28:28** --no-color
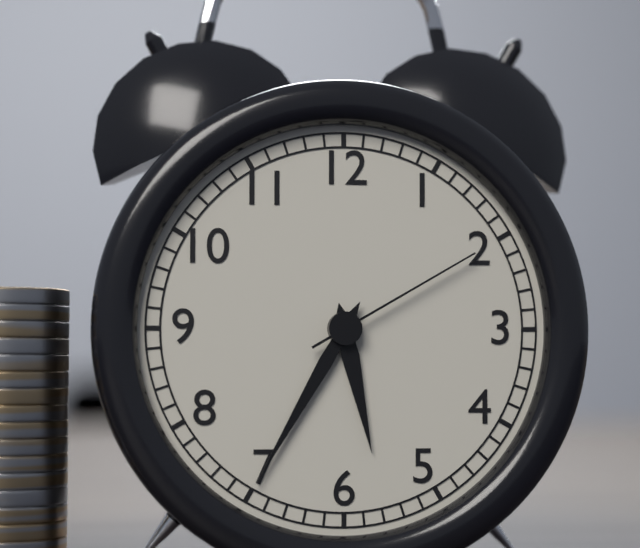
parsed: **5:35:10**
